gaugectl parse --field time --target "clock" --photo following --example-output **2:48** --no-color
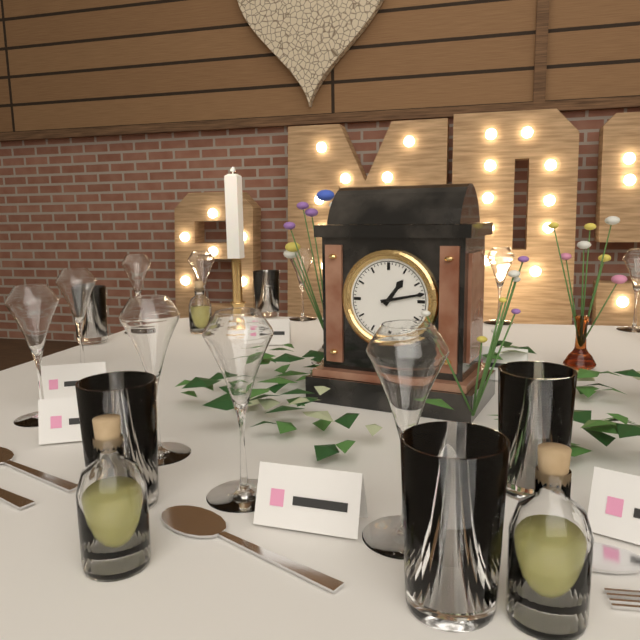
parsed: **1:13**
